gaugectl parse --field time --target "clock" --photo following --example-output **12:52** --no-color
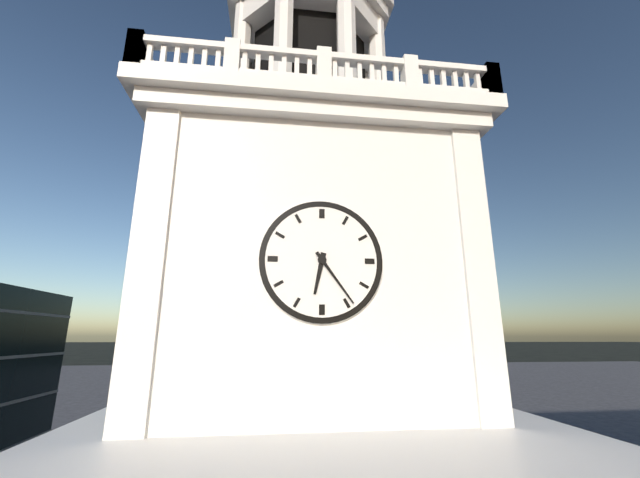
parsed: **6:24**
